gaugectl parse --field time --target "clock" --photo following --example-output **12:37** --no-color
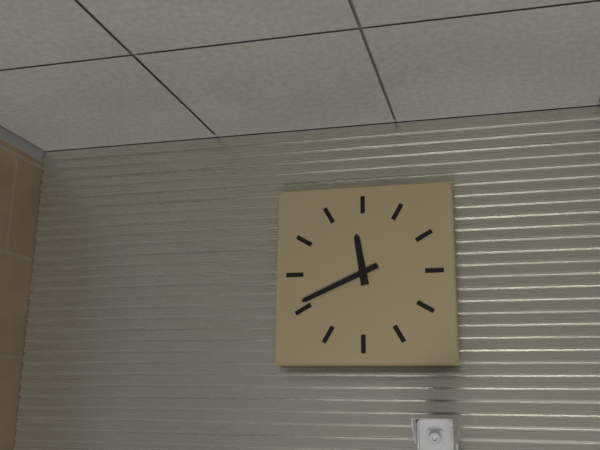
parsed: **11:41**
